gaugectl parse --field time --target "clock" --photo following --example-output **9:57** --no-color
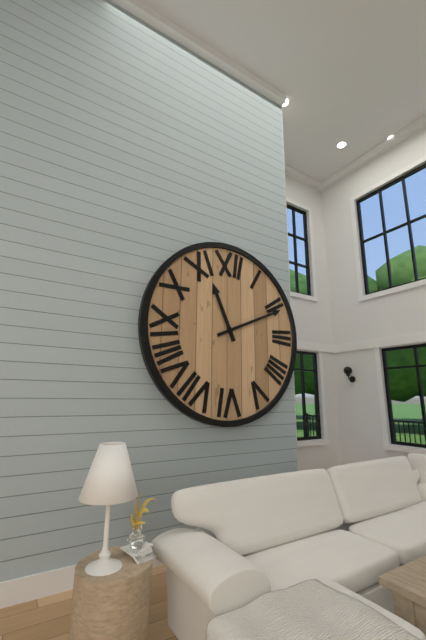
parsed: **11:11**
